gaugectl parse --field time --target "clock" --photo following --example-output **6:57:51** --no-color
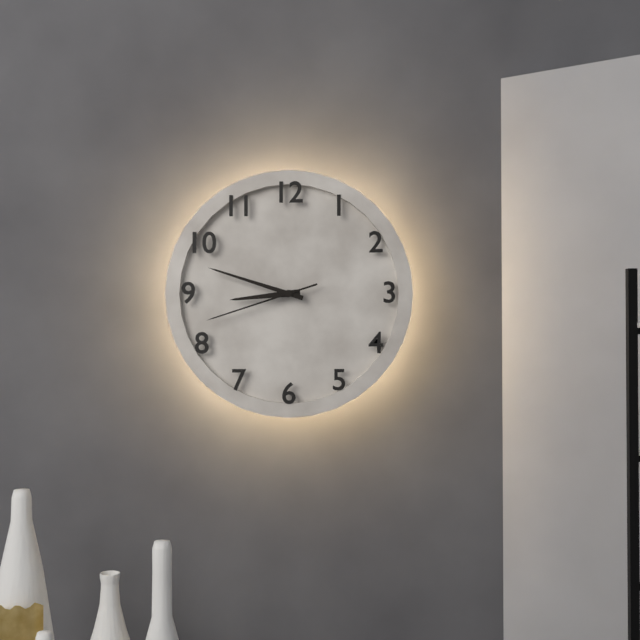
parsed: **8:48:42**
